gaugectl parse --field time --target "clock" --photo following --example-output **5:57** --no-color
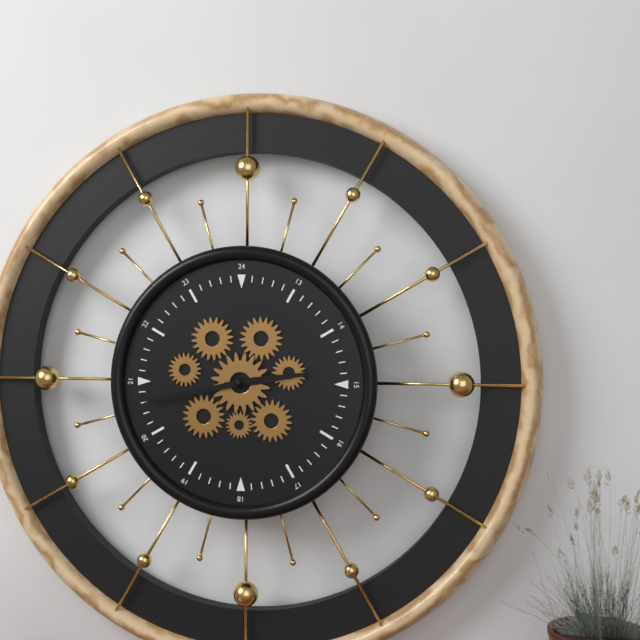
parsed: **2:43**
